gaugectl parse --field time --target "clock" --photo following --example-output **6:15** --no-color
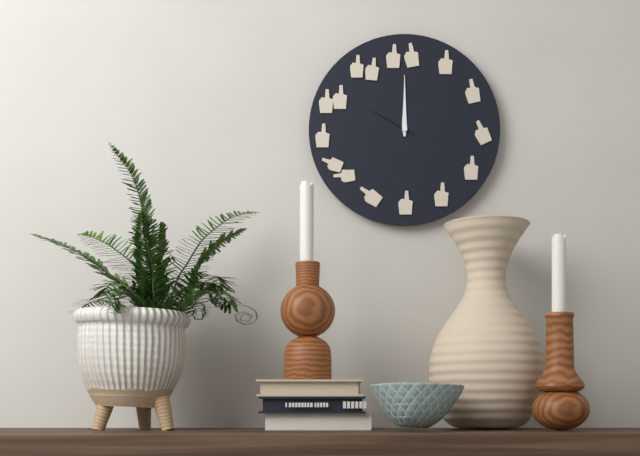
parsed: **12:00**
